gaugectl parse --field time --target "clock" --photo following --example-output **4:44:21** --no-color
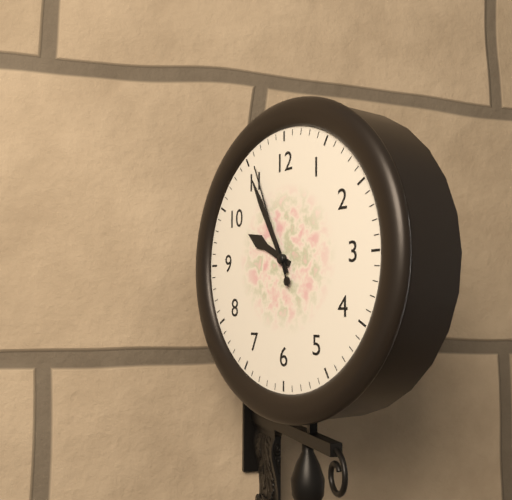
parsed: **9:55:56**
